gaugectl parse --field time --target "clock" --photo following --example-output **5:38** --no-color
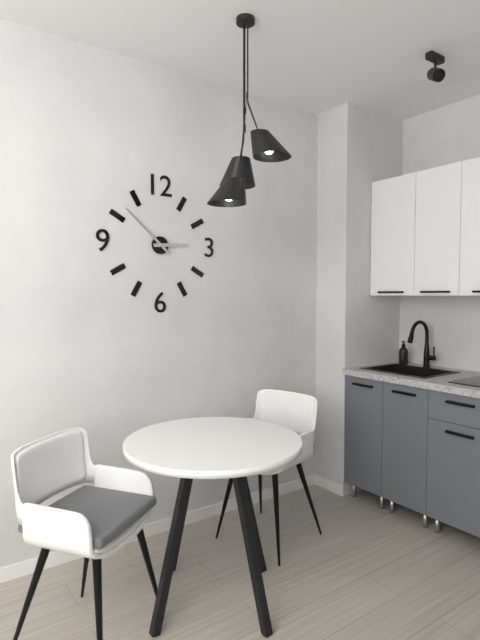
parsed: **2:52**
